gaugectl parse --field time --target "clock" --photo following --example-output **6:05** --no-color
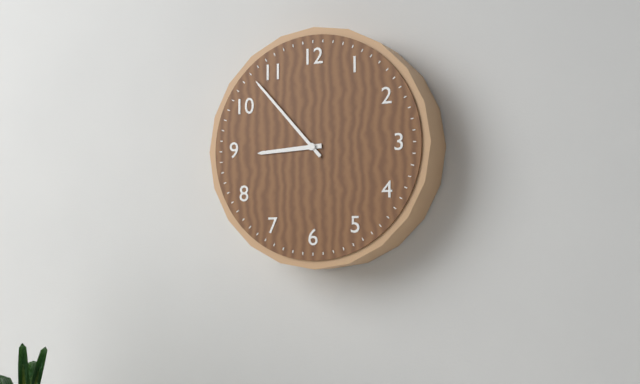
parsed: **8:53**
